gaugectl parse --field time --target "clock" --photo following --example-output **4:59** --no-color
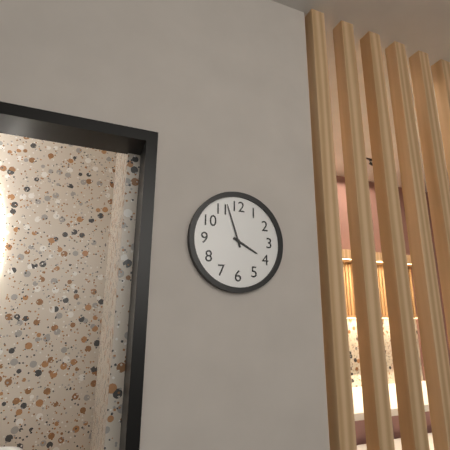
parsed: **3:57**
